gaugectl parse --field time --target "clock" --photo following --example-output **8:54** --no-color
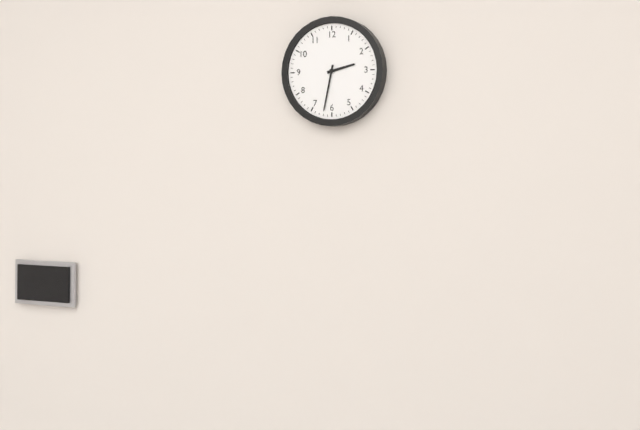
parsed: **2:32**
